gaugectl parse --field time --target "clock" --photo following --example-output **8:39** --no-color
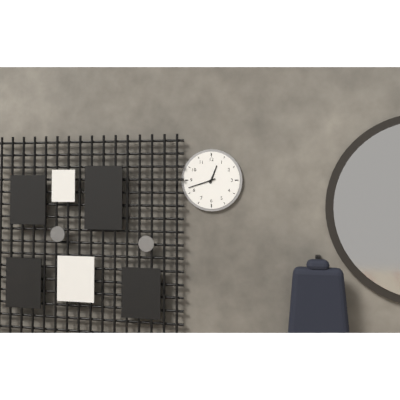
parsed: **12:42**
